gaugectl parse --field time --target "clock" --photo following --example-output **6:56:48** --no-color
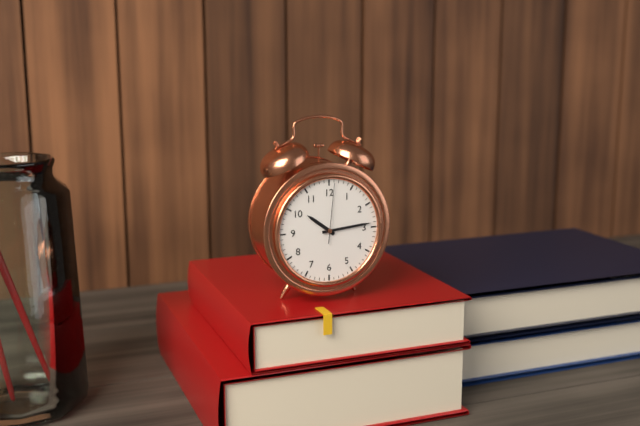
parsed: **10:14:01**
